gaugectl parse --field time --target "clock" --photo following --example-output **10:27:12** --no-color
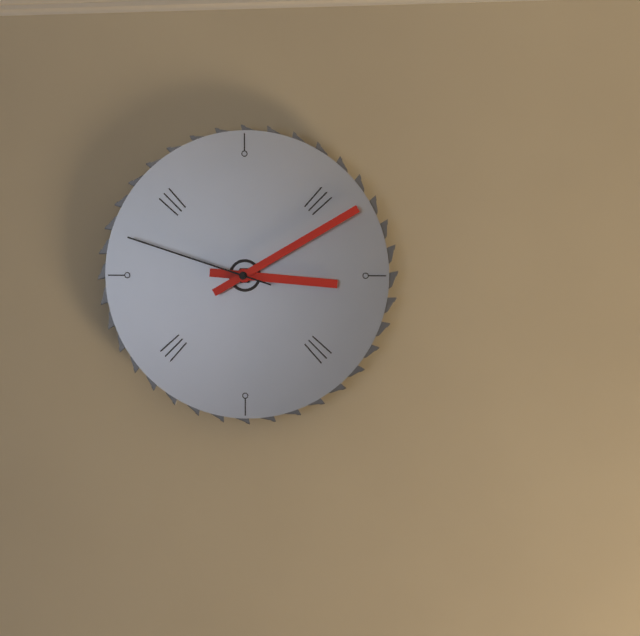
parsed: **3:10:48**
